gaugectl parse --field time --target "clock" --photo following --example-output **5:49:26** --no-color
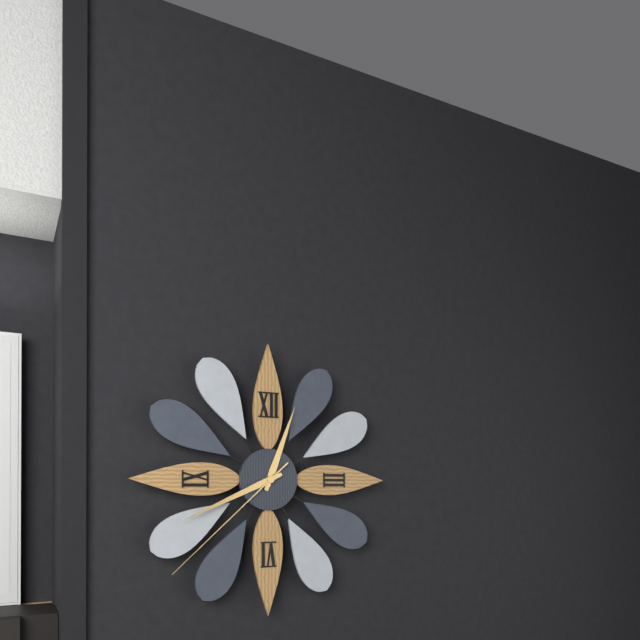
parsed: **12:41:38**
